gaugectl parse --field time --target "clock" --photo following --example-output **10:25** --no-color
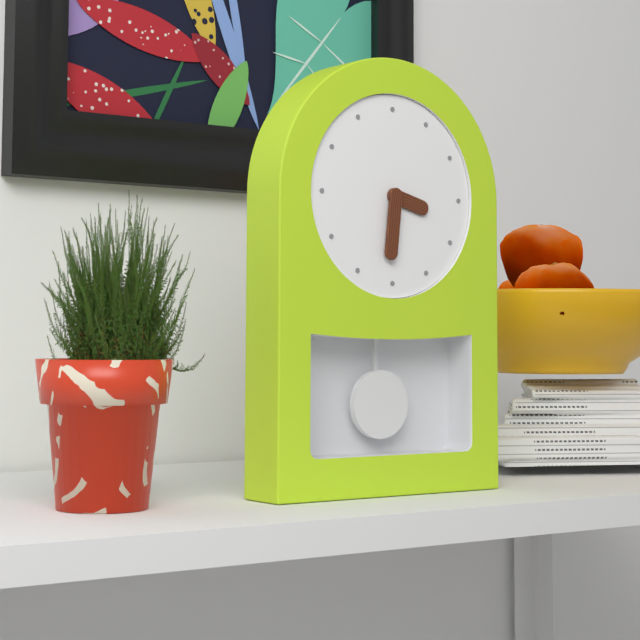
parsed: **3:31**
